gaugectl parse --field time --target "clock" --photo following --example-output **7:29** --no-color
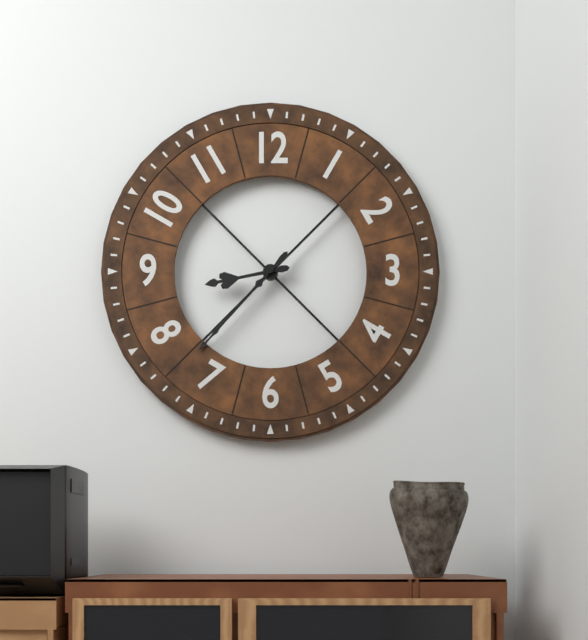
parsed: **8:37**
